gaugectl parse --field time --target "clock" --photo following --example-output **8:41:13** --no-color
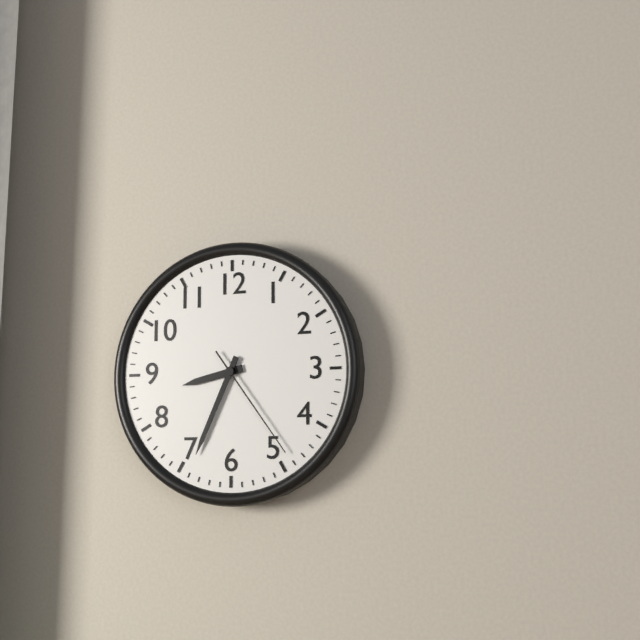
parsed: **8:34:24**
